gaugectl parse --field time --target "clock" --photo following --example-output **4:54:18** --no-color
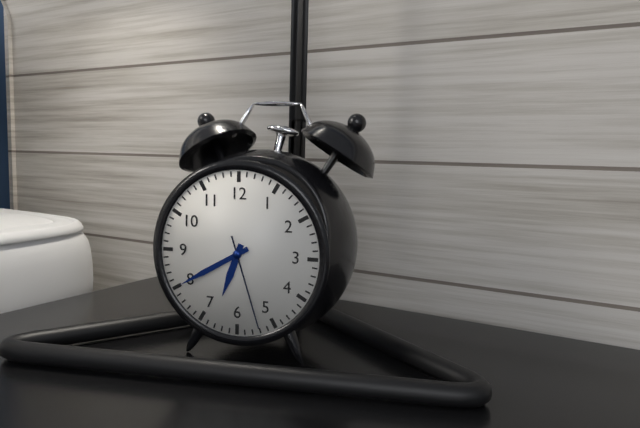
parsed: **6:40:27**
